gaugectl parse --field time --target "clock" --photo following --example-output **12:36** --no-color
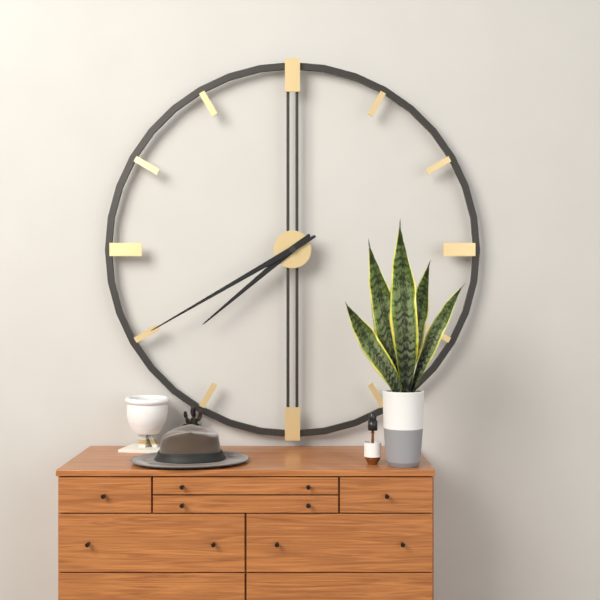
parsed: **7:40**
